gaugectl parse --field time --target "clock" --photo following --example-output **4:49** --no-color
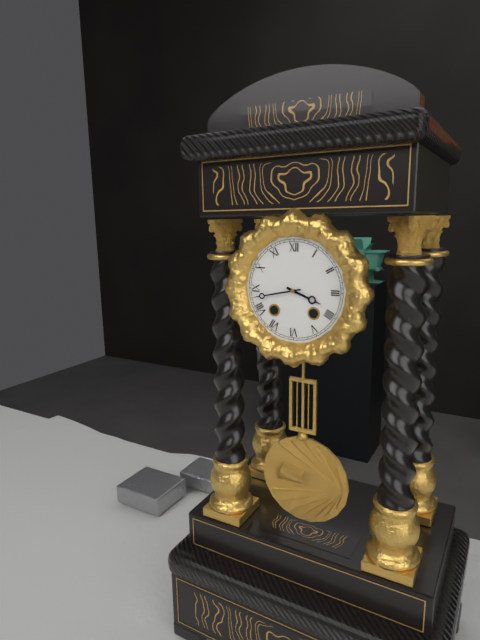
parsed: **3:43**
